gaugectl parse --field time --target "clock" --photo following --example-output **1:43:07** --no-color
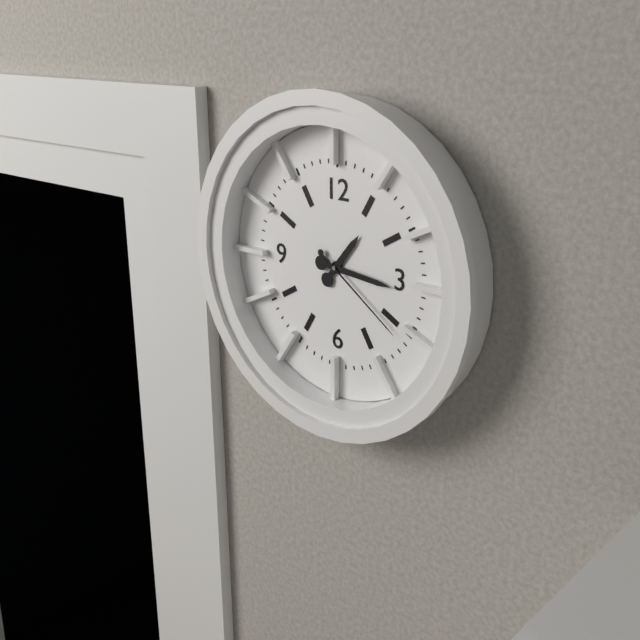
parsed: **1:16:21**
